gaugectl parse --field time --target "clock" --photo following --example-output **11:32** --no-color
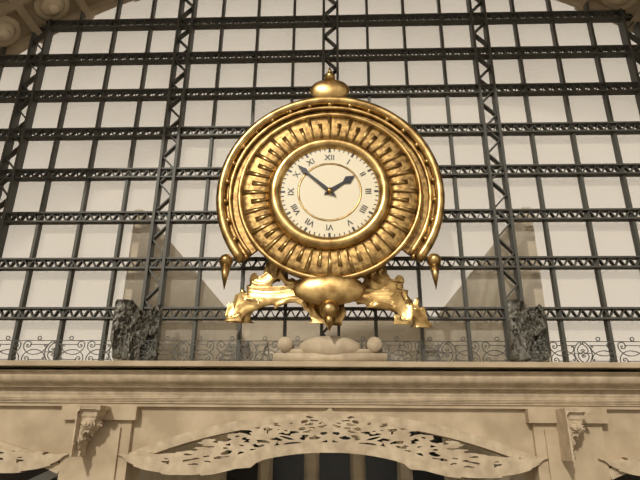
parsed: **1:52**
